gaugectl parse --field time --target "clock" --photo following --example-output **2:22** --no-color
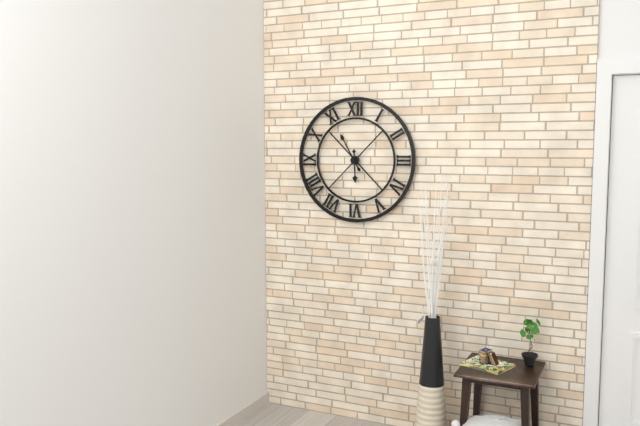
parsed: **5:55**
